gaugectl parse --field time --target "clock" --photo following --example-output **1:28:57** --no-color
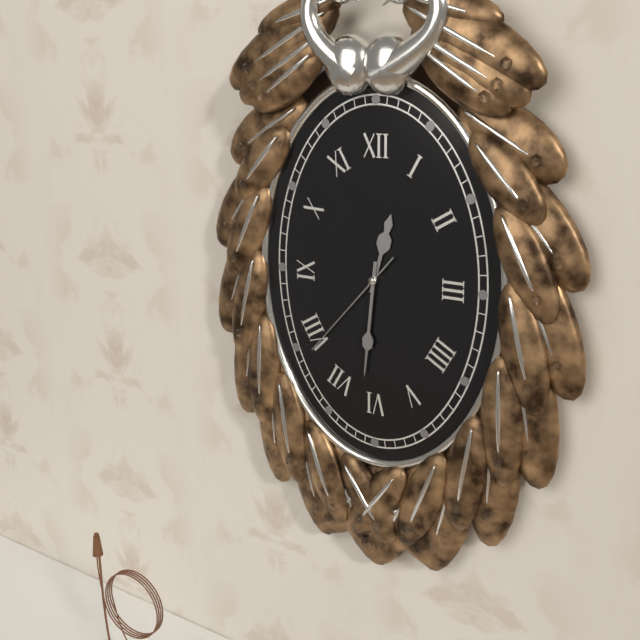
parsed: **12:31:37**
